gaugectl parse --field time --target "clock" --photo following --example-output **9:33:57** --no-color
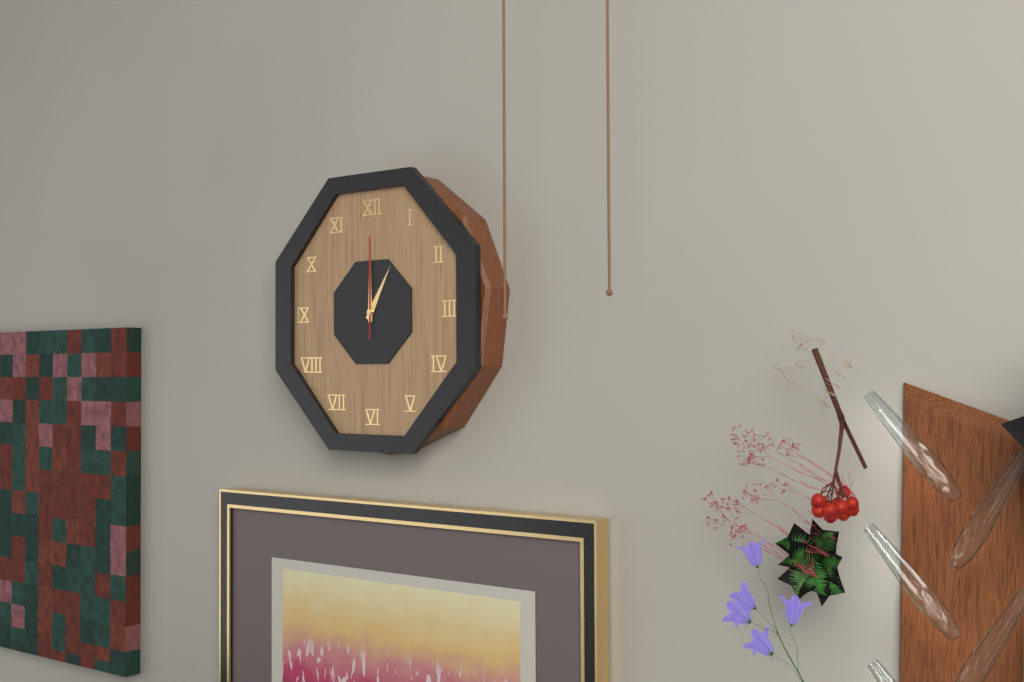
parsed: **1:00:00**
